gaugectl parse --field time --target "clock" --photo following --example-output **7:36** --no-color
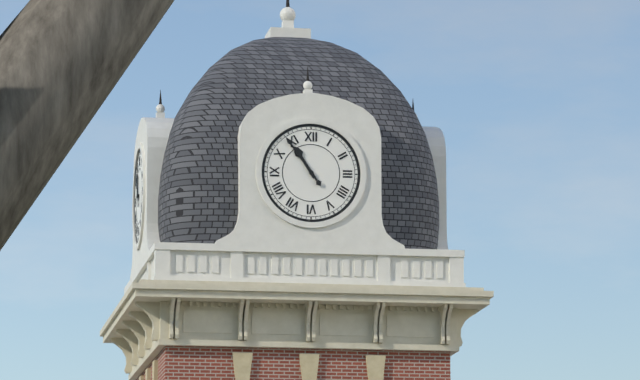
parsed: **10:54**
